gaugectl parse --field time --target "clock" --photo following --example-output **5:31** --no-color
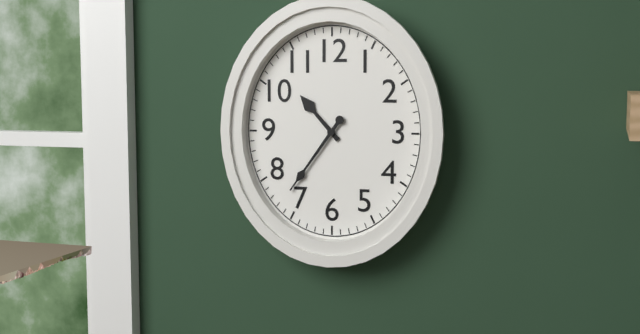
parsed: **10:36**
